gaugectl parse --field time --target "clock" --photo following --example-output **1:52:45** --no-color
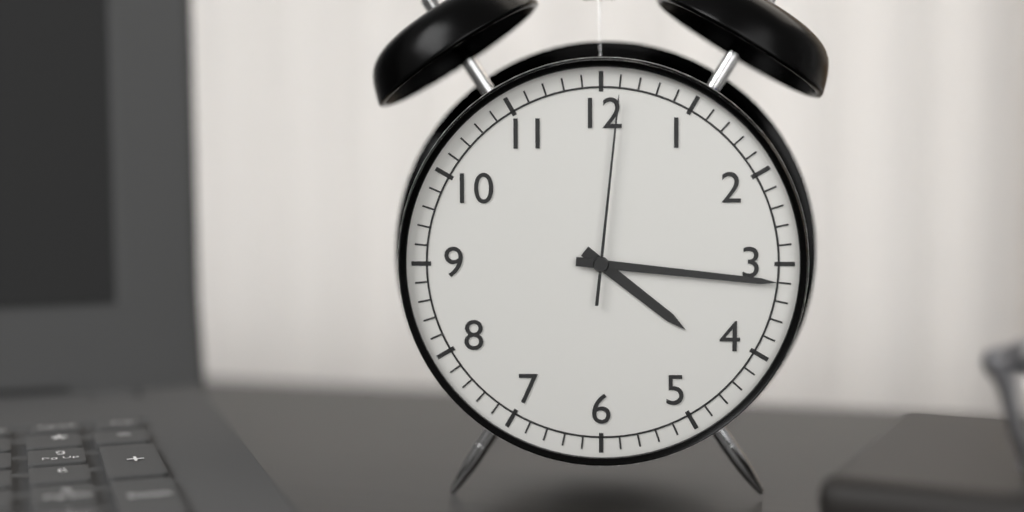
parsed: **4:16:01**
